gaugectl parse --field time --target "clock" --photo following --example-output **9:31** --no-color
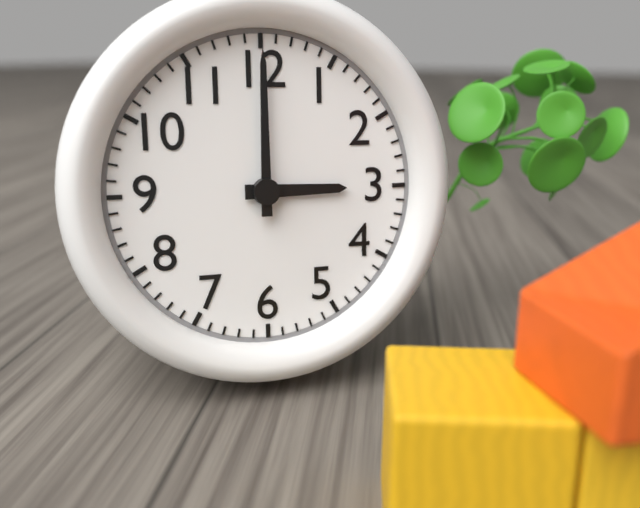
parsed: **3:00**
